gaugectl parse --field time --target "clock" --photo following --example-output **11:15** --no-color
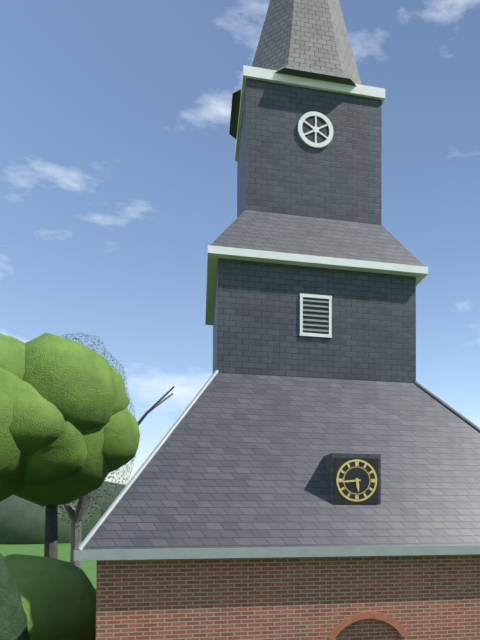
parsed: **5:44**
